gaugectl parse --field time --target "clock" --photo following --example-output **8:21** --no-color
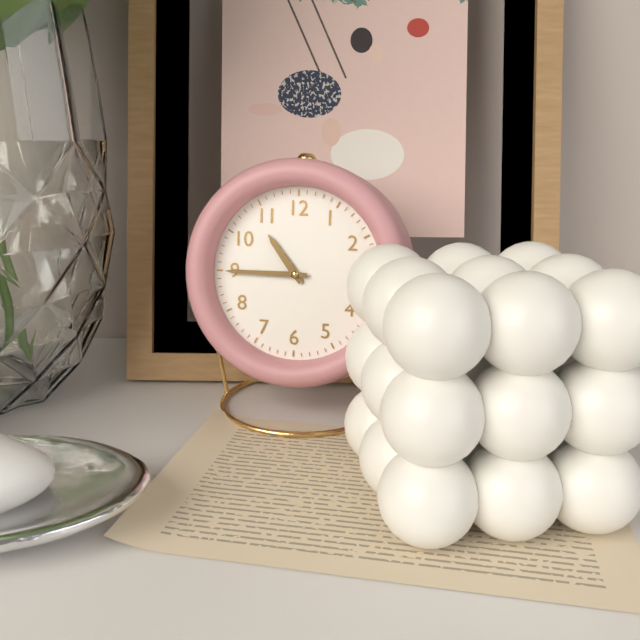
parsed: **10:45**
